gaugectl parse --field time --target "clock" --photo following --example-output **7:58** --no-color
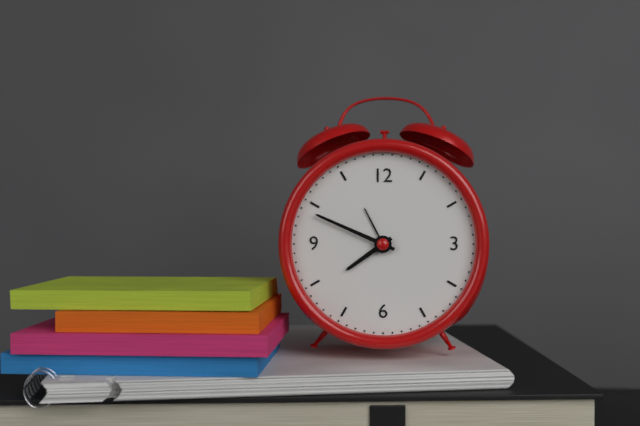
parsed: **7:49**
